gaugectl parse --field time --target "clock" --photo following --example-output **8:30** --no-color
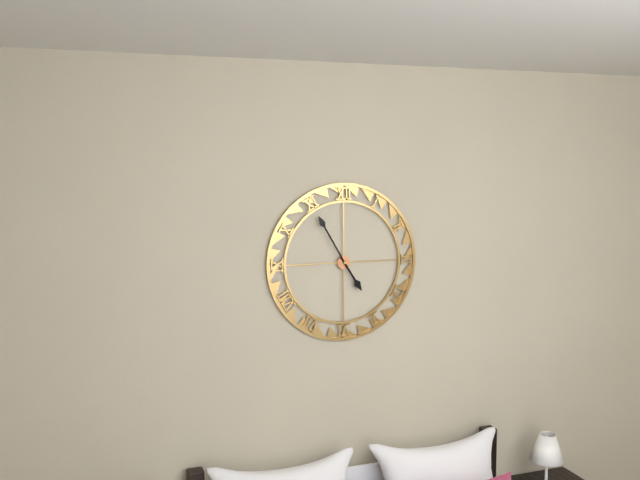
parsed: **4:55**
